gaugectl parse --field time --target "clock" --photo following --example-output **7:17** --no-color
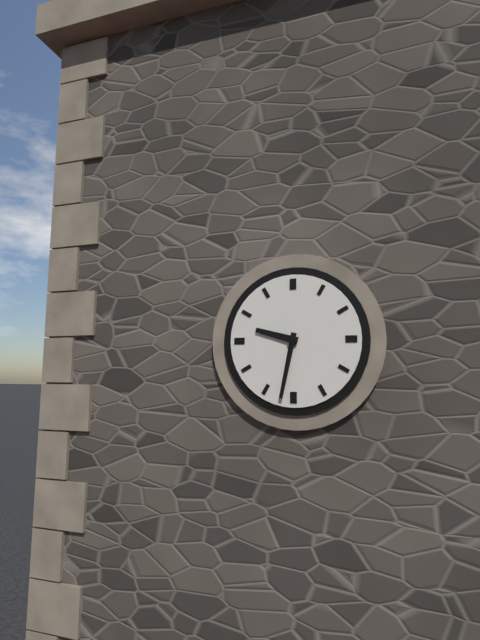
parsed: **9:32**
